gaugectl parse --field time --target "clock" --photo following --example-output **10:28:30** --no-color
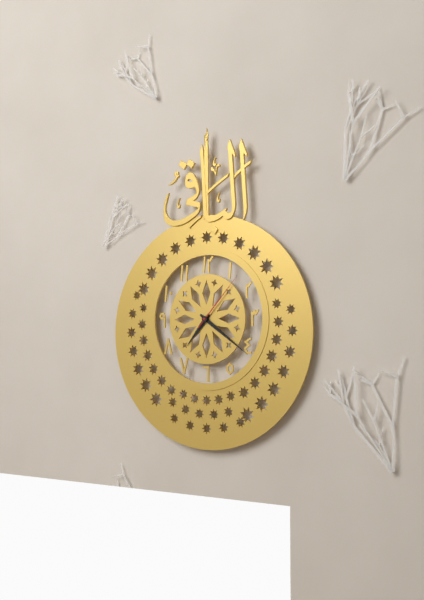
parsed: **7:21:07**
